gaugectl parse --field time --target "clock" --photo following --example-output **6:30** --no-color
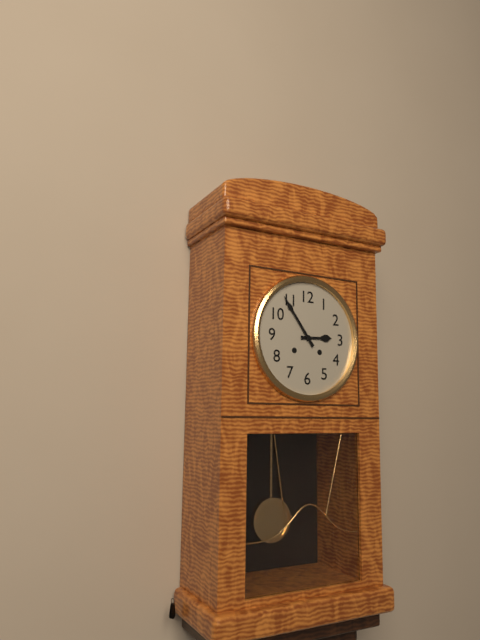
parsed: **2:54**
